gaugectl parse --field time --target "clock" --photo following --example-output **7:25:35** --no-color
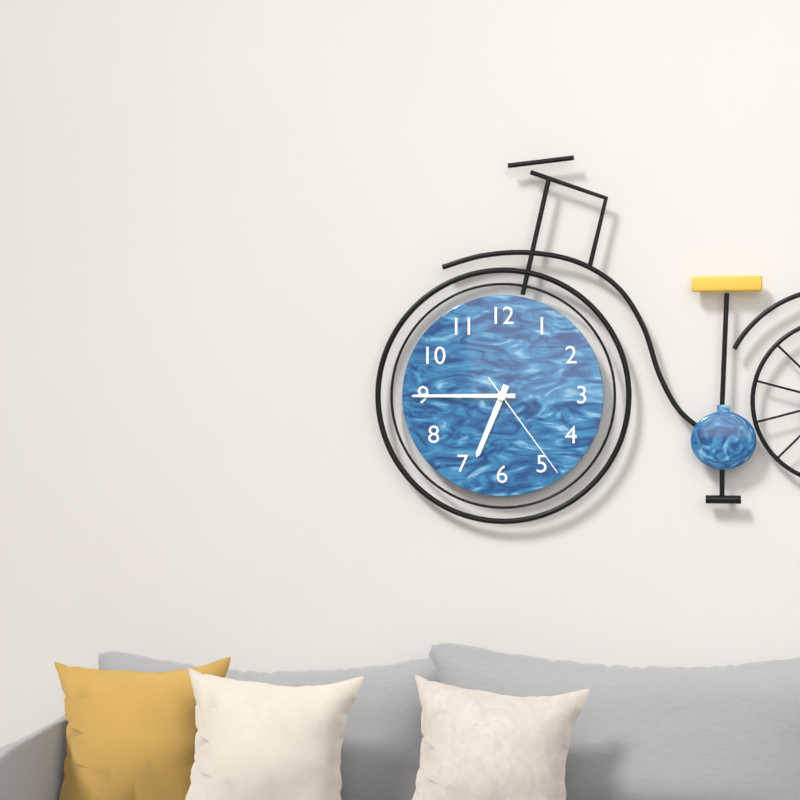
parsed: **6:45:24**
